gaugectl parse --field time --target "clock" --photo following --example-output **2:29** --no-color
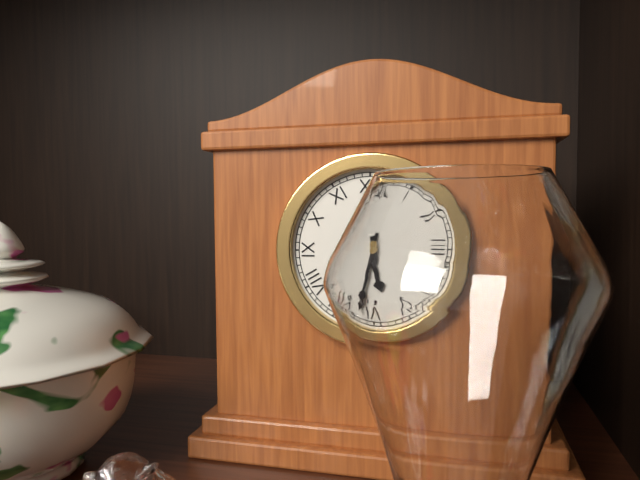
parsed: **5:32**
